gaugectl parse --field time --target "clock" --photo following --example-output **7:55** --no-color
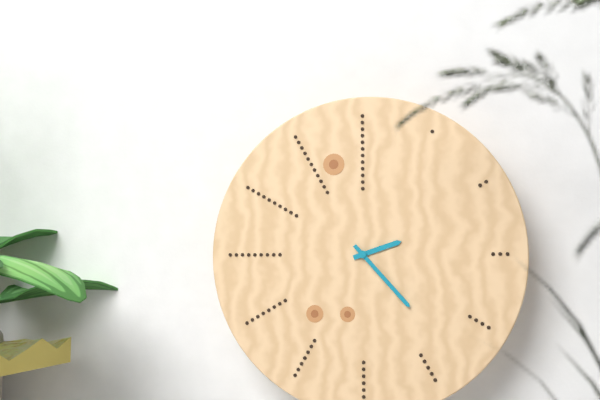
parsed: **2:23**
